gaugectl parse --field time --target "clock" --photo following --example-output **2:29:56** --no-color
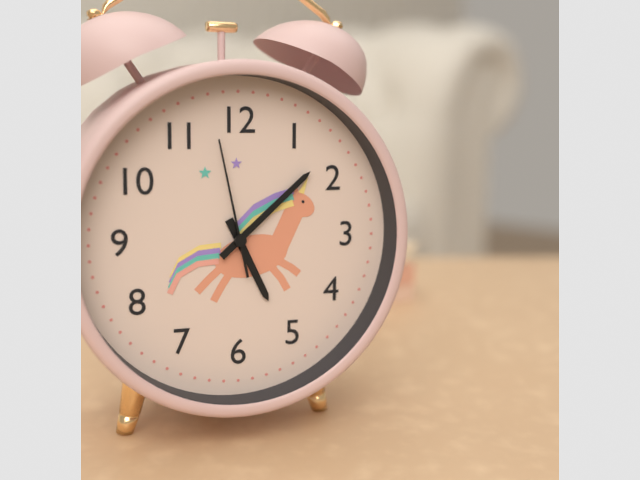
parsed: **5:08:58**
